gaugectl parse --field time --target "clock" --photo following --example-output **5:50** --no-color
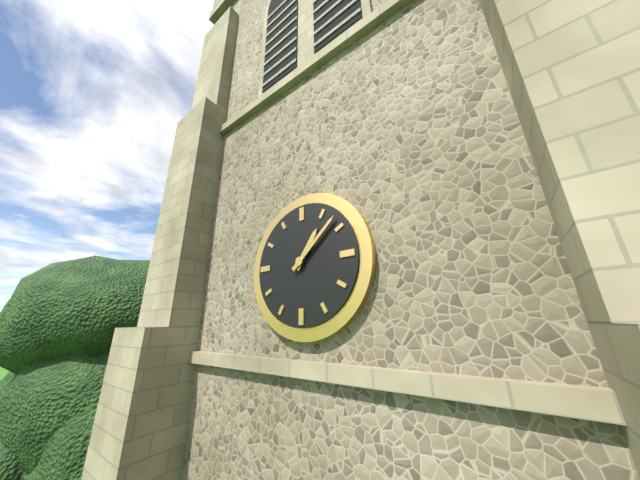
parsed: **1:08**
